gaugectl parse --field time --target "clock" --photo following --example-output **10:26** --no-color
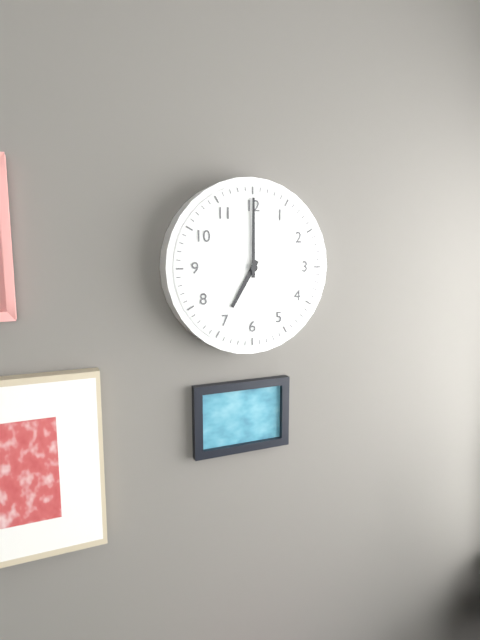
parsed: **7:00**
